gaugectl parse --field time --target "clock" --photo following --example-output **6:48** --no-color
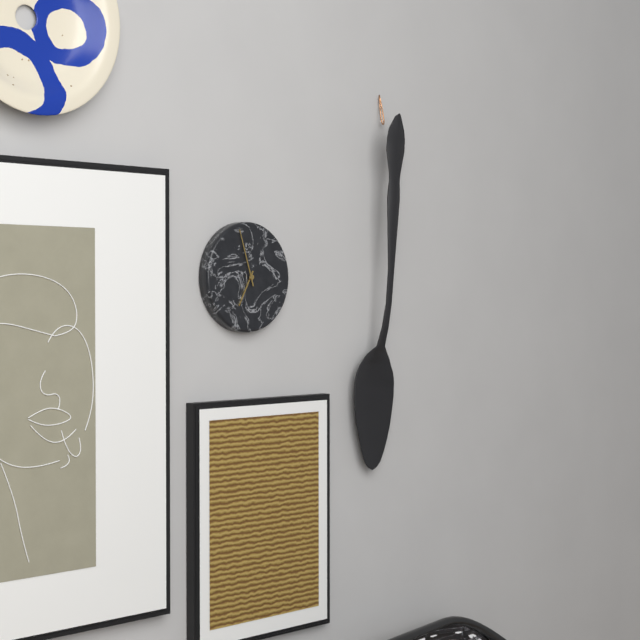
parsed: **6:57**
